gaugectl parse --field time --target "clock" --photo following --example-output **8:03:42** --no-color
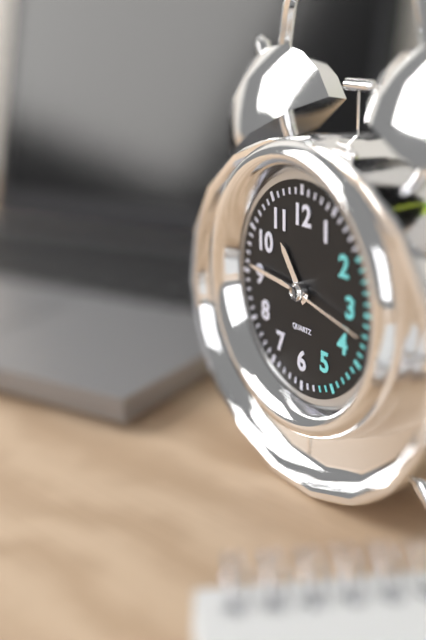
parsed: **10:46:17**
